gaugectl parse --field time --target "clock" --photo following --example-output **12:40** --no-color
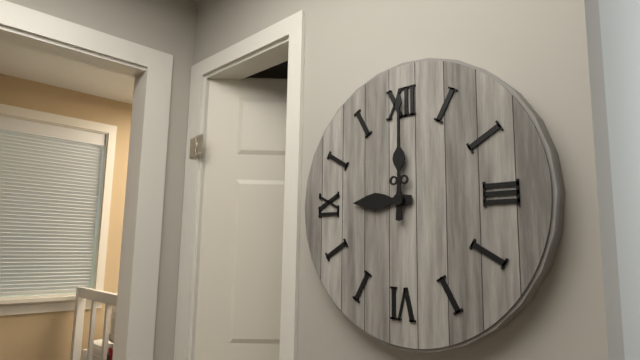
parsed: **9:00**
